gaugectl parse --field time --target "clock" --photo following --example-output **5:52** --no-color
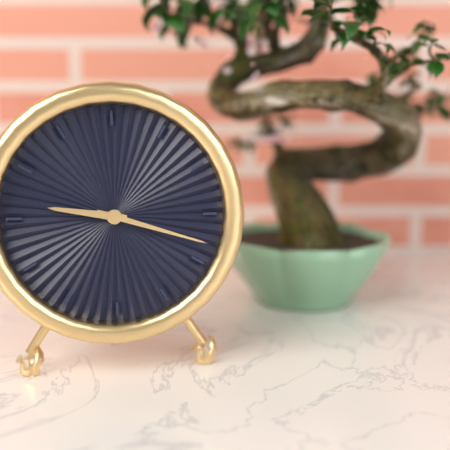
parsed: **9:18**
